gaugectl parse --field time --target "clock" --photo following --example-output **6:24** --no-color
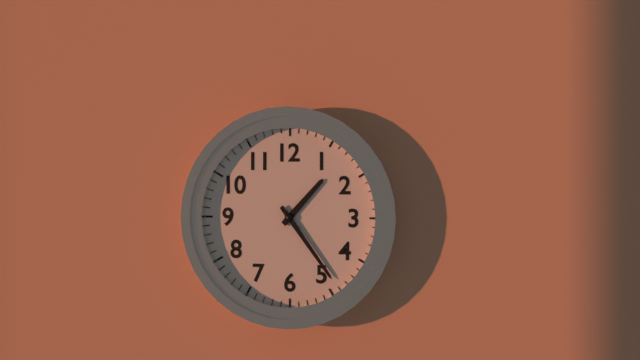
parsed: **1:24**
